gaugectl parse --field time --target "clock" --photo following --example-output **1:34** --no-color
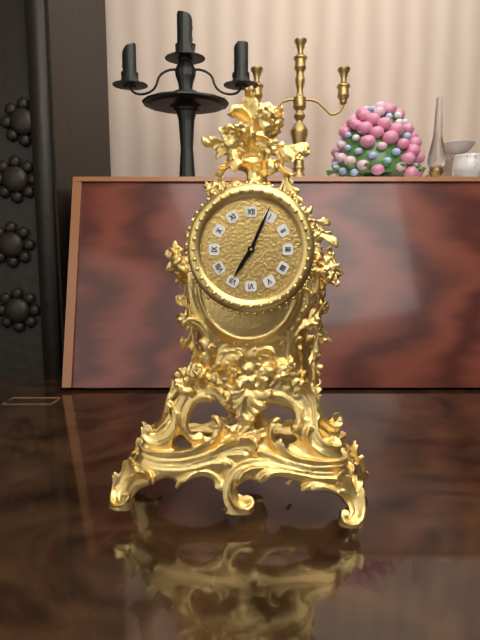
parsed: **7:04**
